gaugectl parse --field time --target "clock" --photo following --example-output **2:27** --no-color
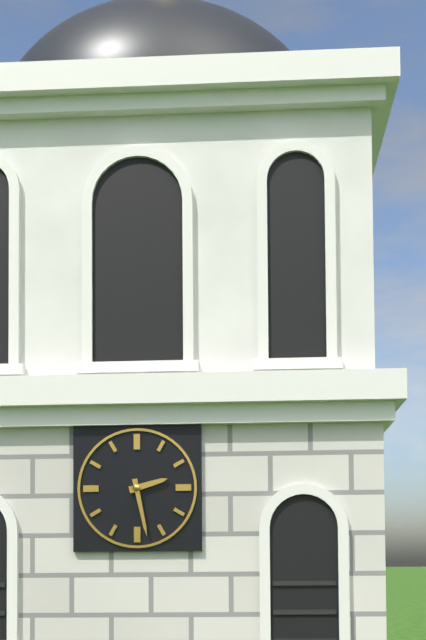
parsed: **2:28**
